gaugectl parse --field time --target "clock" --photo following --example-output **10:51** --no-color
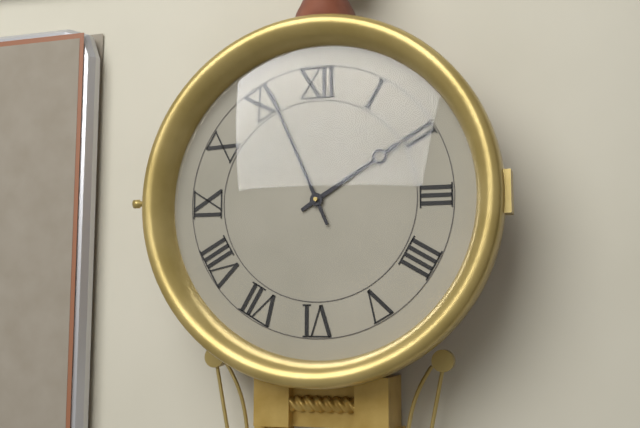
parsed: **1:56**
